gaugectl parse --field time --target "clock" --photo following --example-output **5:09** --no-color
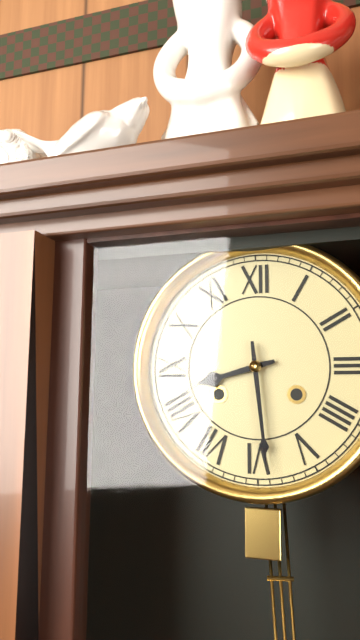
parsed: **8:29**
